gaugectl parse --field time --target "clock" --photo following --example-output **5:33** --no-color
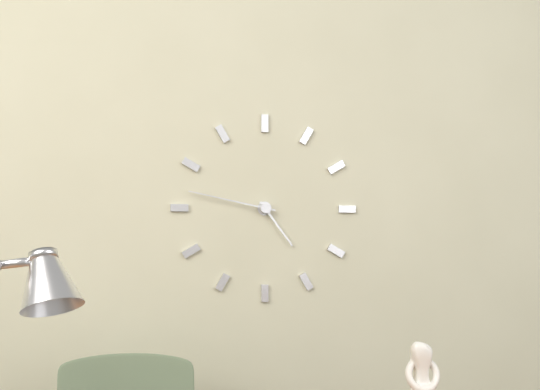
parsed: **4:47**
